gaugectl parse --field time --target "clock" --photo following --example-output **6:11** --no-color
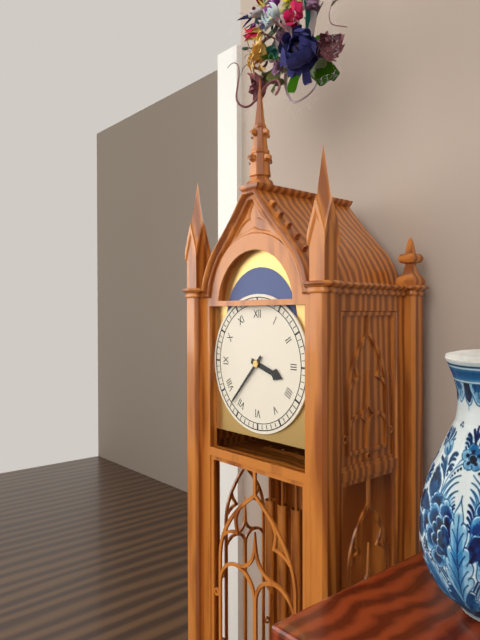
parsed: **3:37**
